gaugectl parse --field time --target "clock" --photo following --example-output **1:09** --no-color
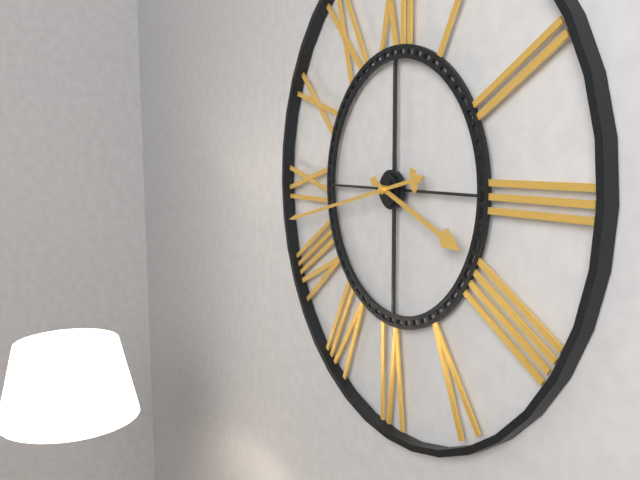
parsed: **3:43**
